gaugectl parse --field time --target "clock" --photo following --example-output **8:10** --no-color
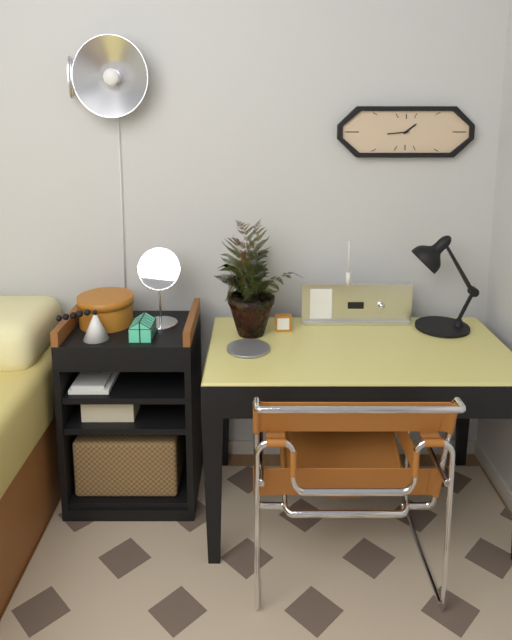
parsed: **1:44**
